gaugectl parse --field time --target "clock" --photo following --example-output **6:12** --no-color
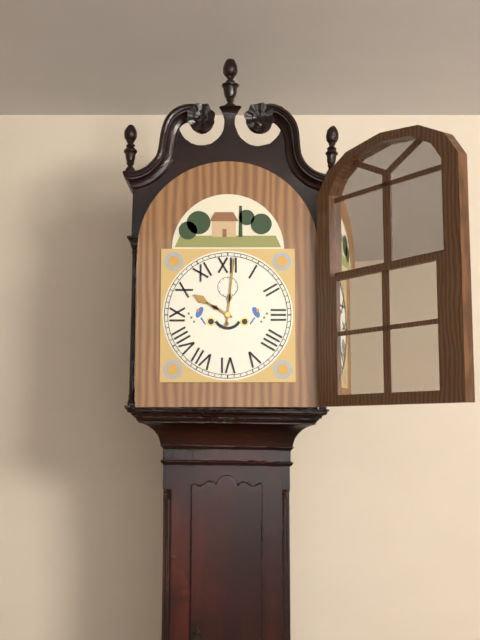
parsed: **10:01**
